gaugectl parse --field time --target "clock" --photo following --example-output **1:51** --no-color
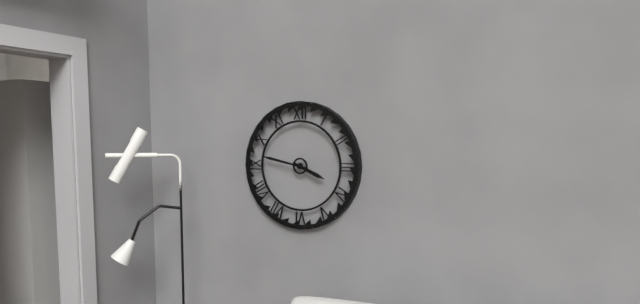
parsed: **3:47**
